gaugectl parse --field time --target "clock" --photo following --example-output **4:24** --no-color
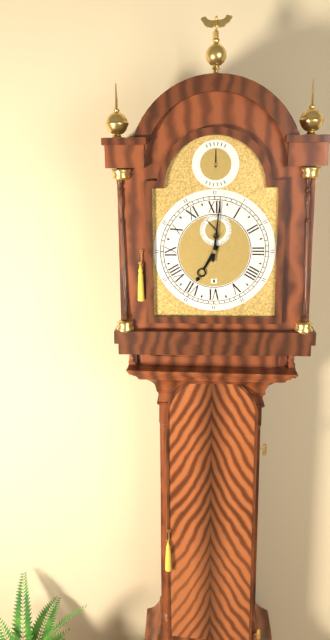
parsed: **7:01**
